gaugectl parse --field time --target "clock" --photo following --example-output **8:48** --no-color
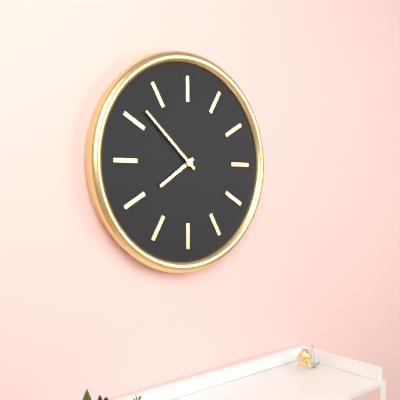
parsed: **7:52**
